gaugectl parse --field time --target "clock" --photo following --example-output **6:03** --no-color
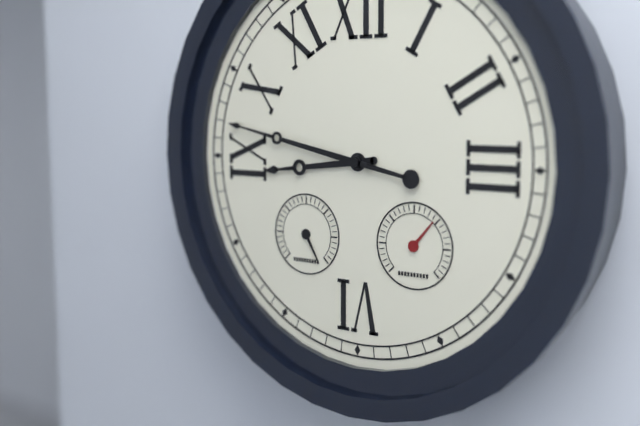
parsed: **8:47**
